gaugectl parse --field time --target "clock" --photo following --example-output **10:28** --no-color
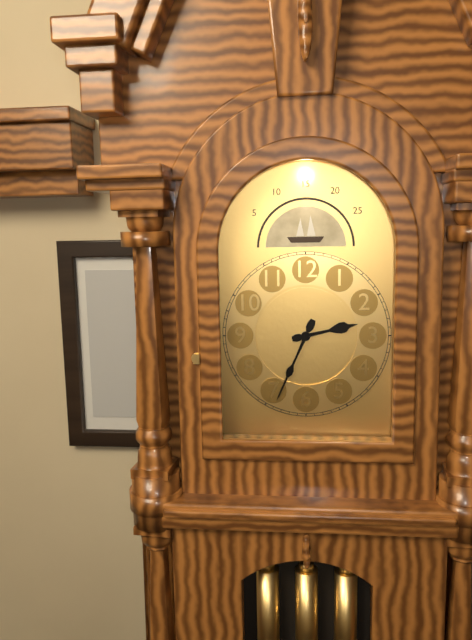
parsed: **2:34**
